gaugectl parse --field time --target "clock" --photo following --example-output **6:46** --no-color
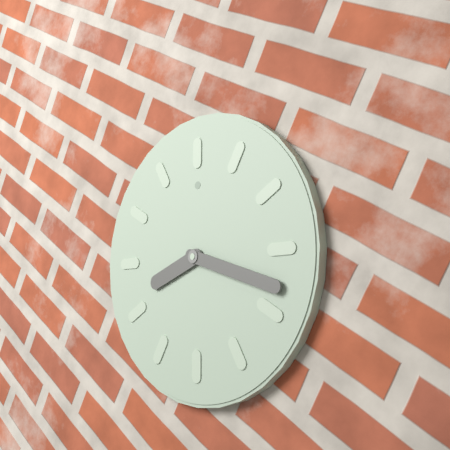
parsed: **8:18**
